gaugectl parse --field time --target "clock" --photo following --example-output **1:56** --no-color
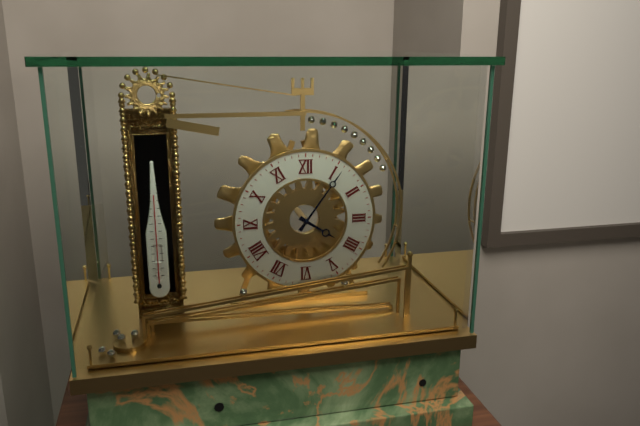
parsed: **4:06**
